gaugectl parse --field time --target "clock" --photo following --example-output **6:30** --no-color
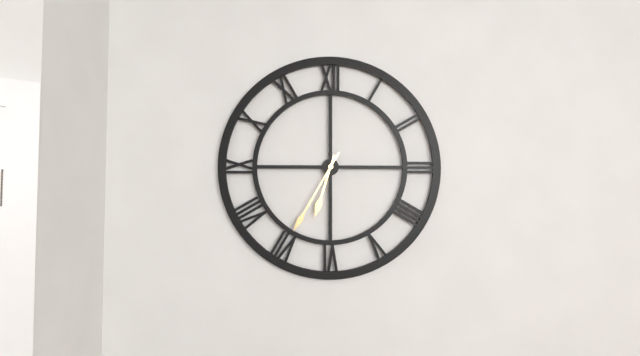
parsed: **6:35**
